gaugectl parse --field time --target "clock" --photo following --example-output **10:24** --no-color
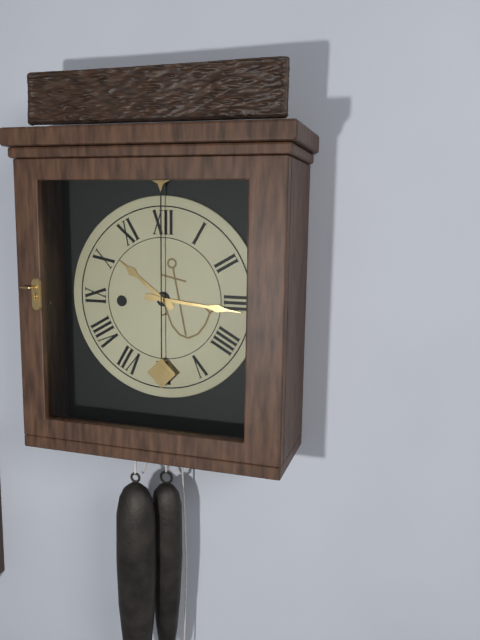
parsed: **10:16**
